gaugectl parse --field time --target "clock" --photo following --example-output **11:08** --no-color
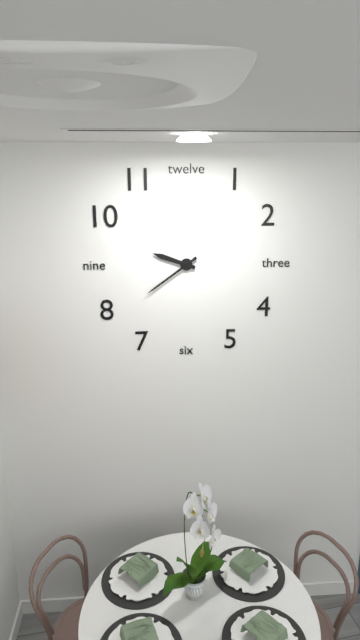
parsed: **9:39**
